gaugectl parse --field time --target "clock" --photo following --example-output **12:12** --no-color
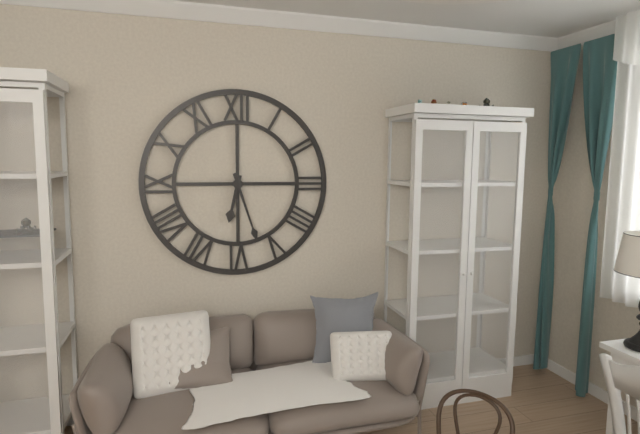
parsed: **6:27**
